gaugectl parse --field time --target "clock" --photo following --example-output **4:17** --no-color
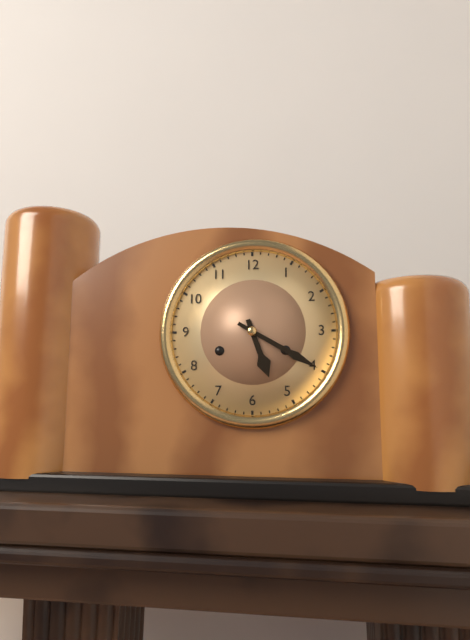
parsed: **5:20**
